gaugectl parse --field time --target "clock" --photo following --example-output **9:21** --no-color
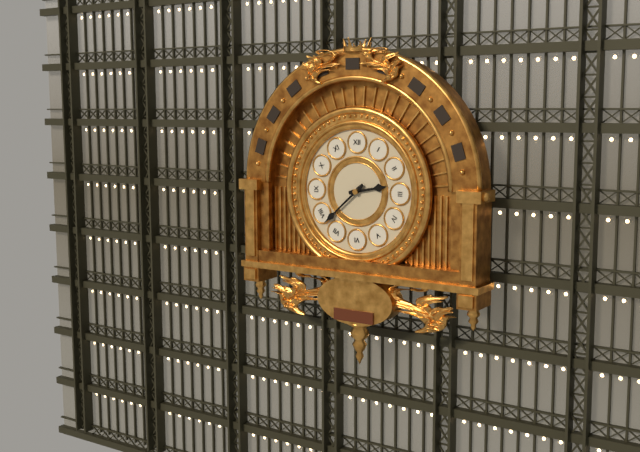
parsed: **2:38**
